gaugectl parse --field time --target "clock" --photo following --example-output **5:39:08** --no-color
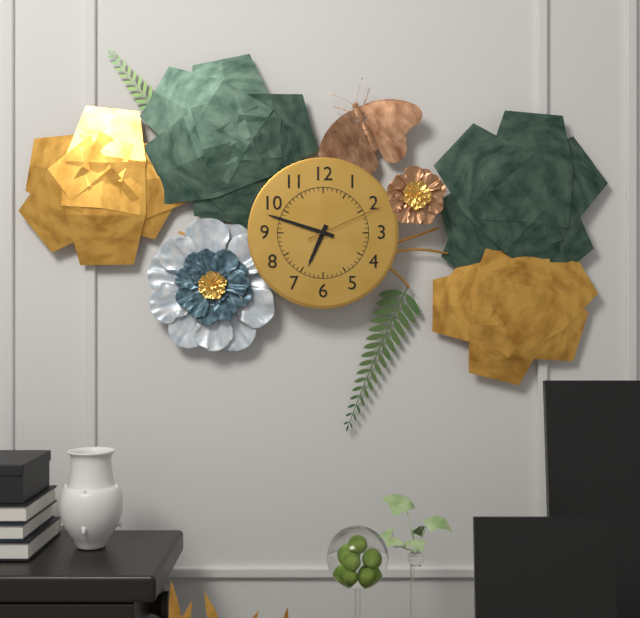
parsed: **6:48:11**
